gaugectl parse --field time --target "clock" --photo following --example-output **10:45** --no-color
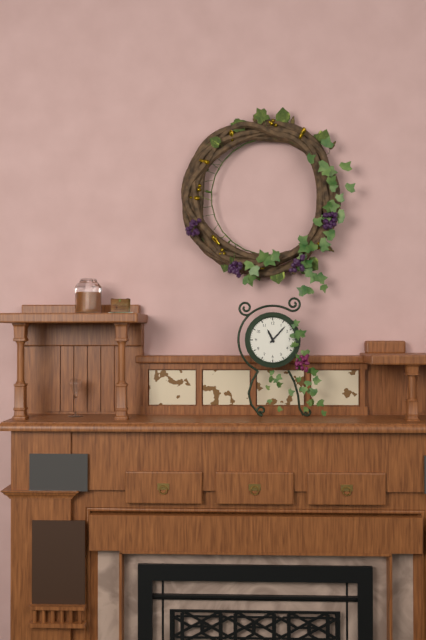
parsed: **11:07**
